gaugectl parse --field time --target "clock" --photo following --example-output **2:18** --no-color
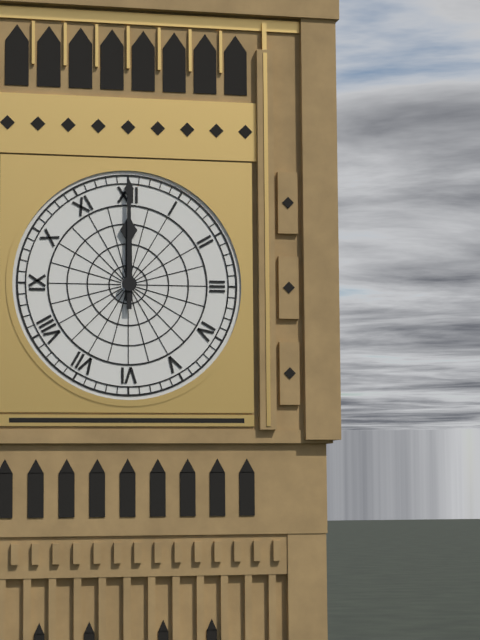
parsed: **12:00**
